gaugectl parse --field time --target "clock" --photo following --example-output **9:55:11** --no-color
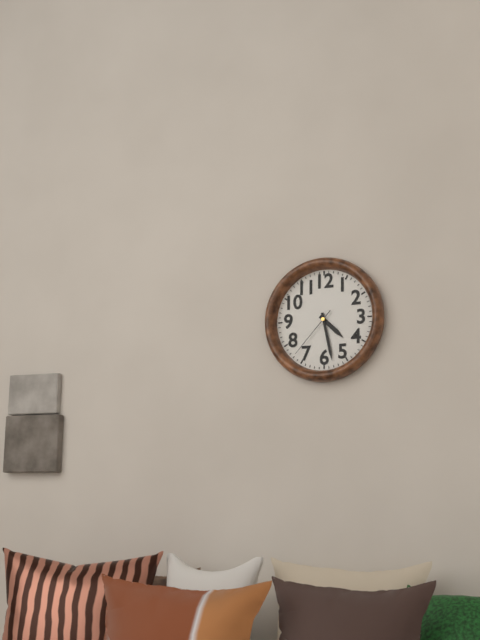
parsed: **4:28:37**
